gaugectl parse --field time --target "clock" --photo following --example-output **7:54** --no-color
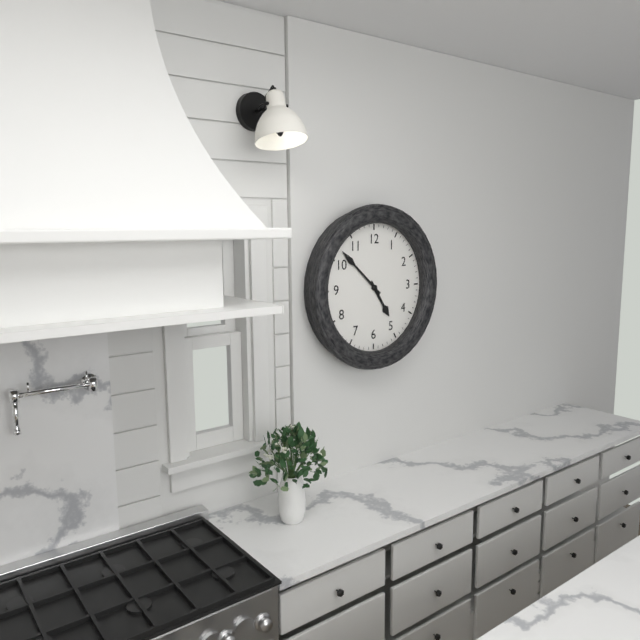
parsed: **4:52**
